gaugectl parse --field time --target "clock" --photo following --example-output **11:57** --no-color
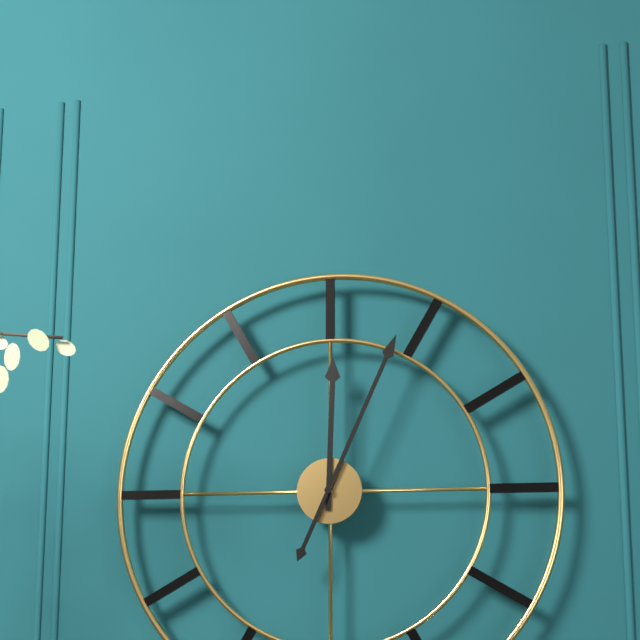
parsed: **12:04**
